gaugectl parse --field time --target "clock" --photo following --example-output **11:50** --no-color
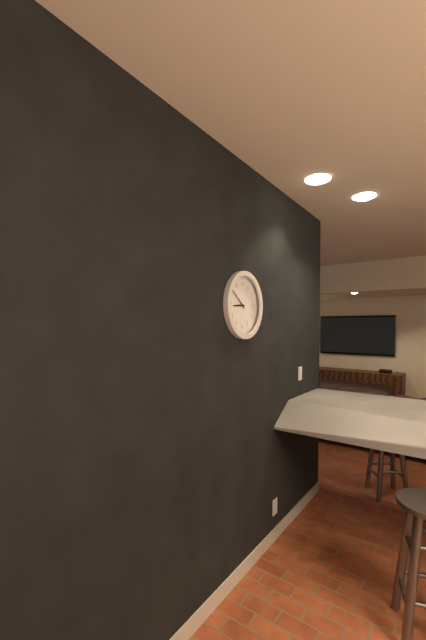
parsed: **8:51**
